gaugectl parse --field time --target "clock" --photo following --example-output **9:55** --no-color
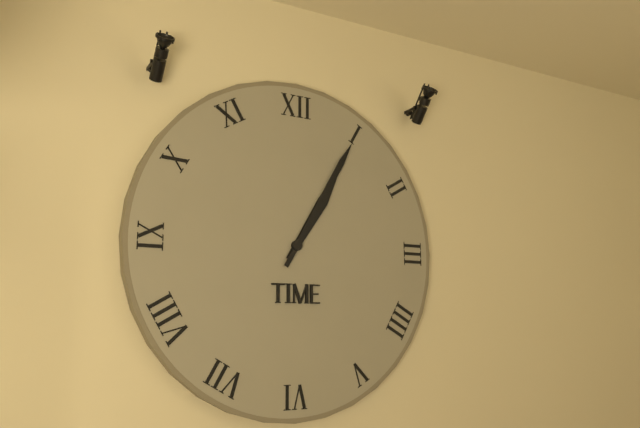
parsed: **1:05**
